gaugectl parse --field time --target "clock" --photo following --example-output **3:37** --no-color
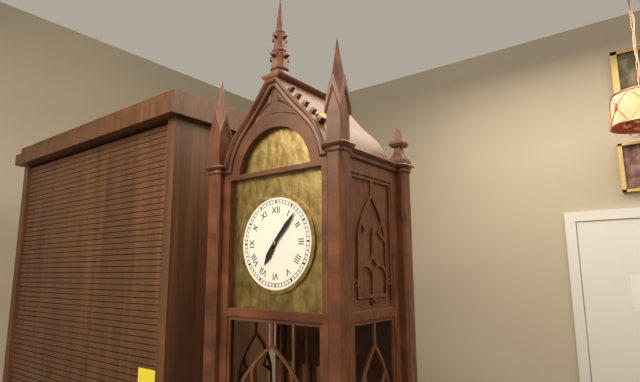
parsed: **7:07**
